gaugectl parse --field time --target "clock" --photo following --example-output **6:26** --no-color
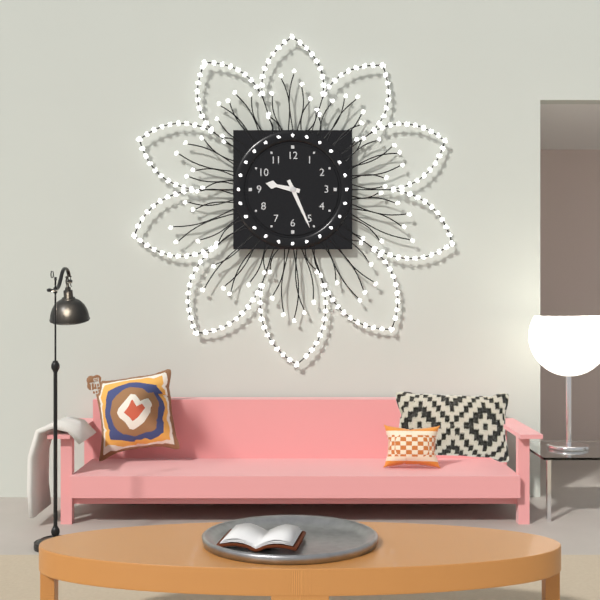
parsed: **9:26**
